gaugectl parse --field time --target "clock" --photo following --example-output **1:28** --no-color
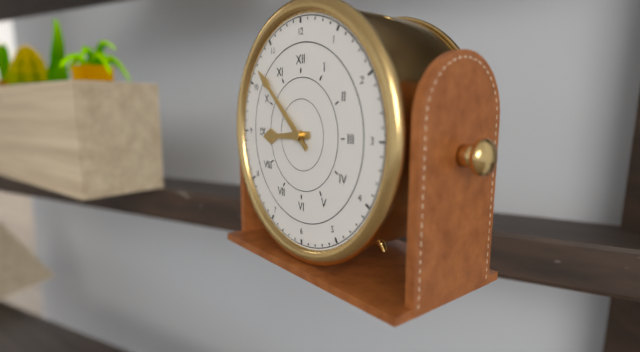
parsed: **8:52**
